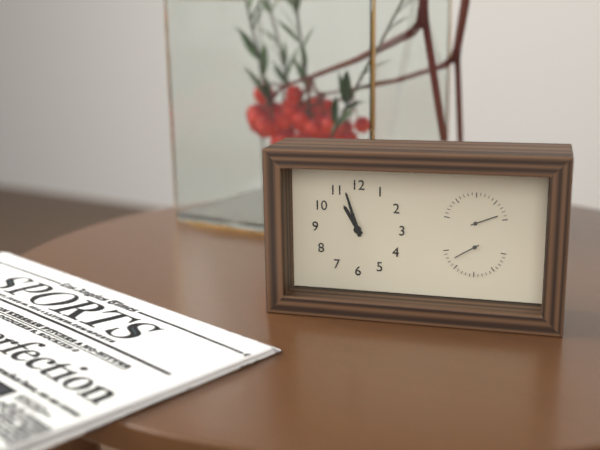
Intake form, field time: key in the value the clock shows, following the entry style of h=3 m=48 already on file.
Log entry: h=10 m=57
